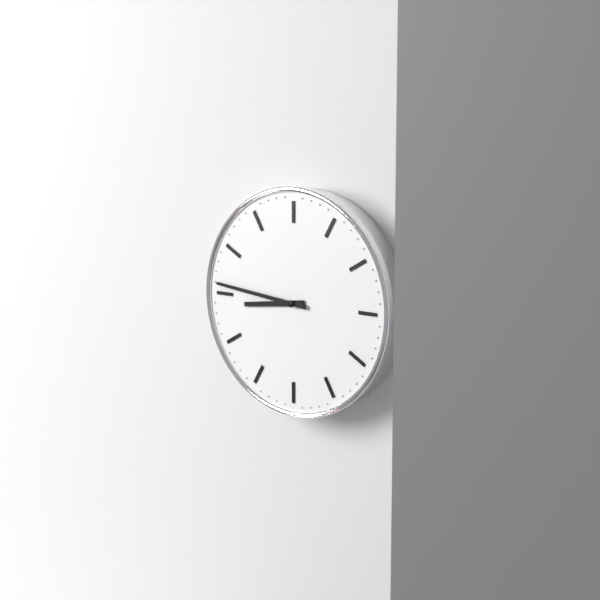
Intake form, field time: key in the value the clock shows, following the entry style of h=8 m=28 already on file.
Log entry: h=8 m=46
